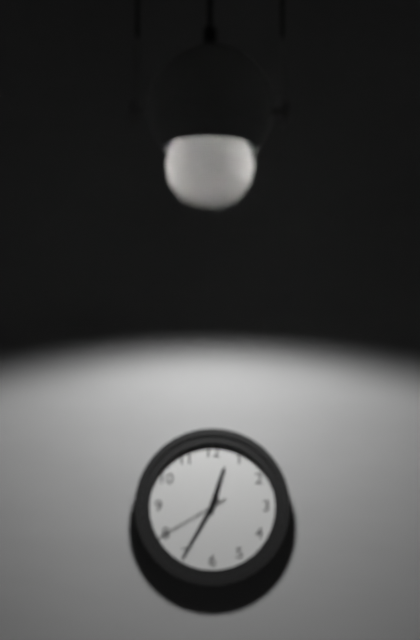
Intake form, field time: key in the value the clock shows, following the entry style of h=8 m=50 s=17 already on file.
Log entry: h=12 m=35 s=40
